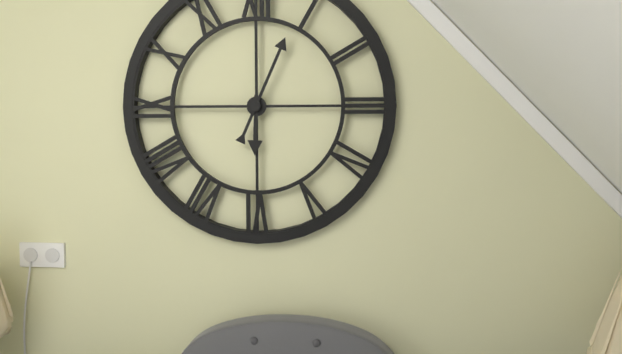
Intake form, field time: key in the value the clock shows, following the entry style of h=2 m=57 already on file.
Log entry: h=6 m=4
